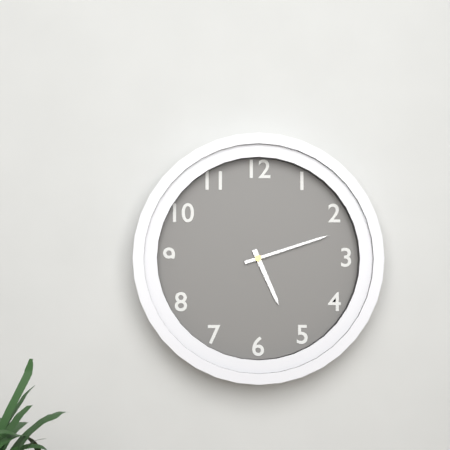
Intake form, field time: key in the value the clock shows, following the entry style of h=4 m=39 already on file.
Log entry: h=5 m=12
